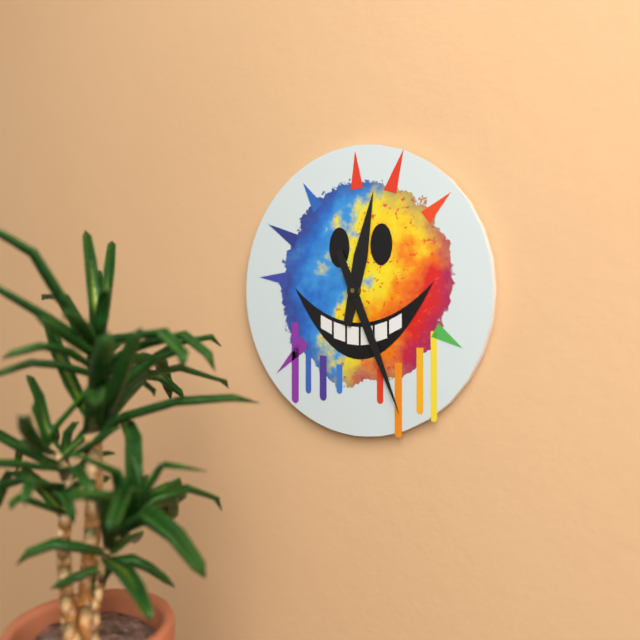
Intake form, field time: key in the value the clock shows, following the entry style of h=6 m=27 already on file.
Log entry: h=12 m=26
